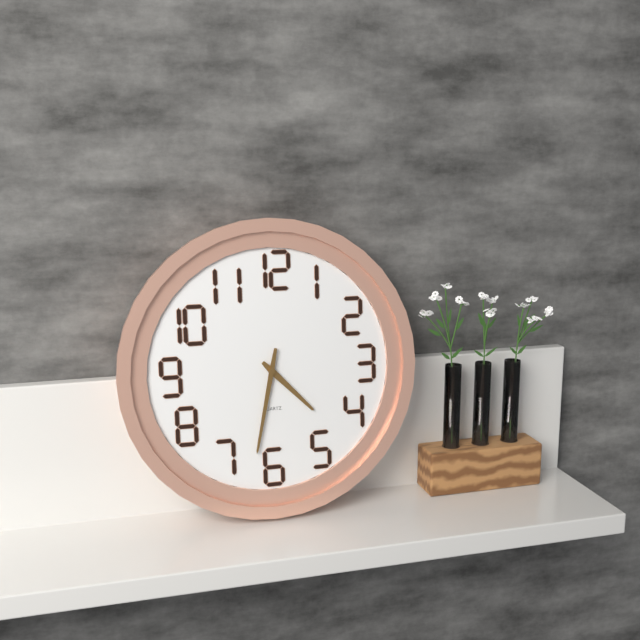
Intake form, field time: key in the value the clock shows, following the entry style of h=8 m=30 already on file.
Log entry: h=4 m=32
